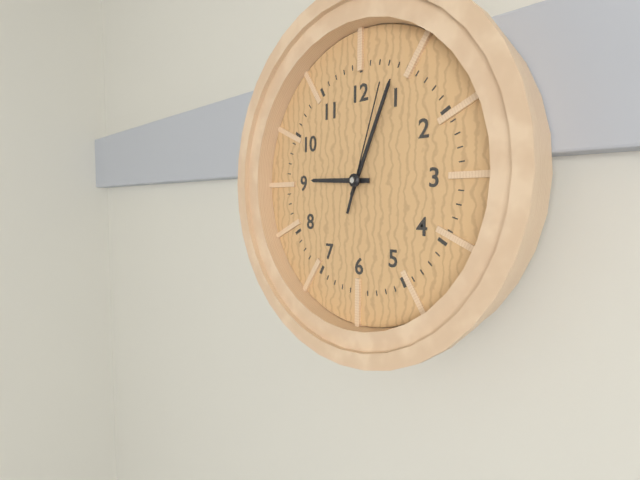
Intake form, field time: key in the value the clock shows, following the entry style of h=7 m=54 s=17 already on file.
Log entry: h=9 m=4 s=3
